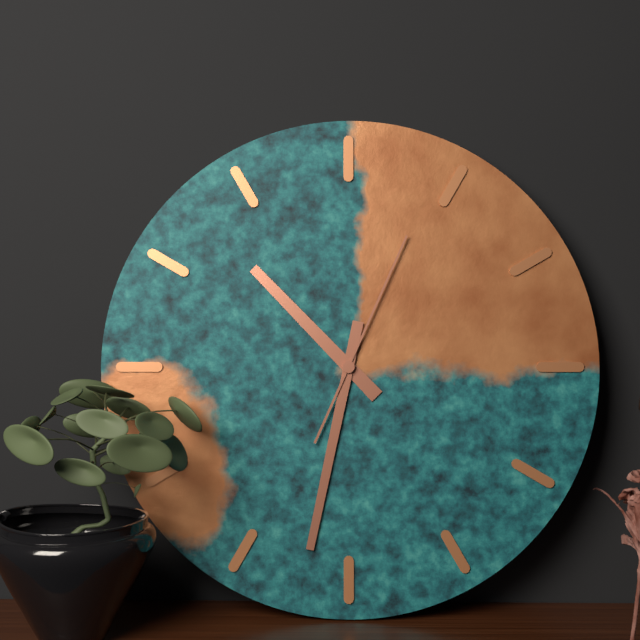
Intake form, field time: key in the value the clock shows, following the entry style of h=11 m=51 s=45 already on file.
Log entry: h=10 m=32 s=4
